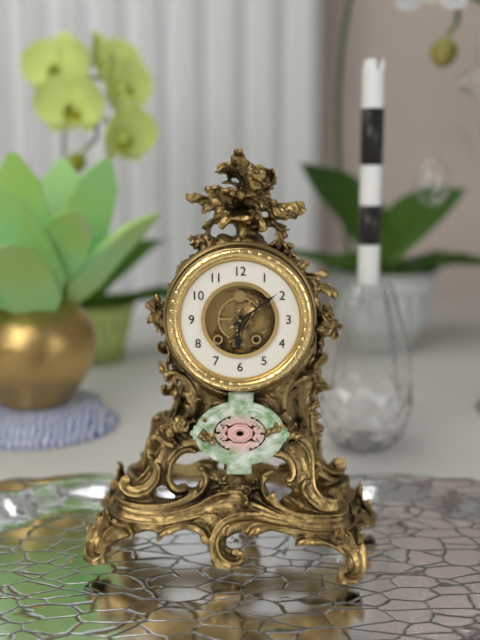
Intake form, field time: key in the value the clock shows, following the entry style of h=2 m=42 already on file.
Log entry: h=6 m=9
